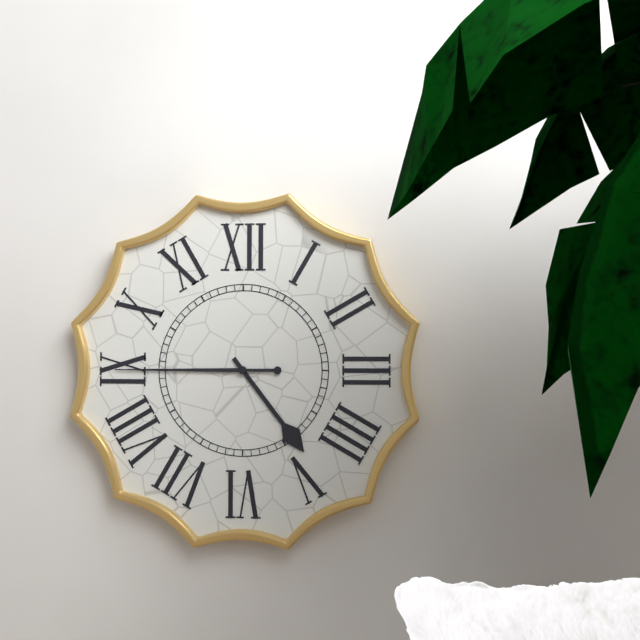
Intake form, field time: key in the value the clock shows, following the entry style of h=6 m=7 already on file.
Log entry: h=4 m=45
